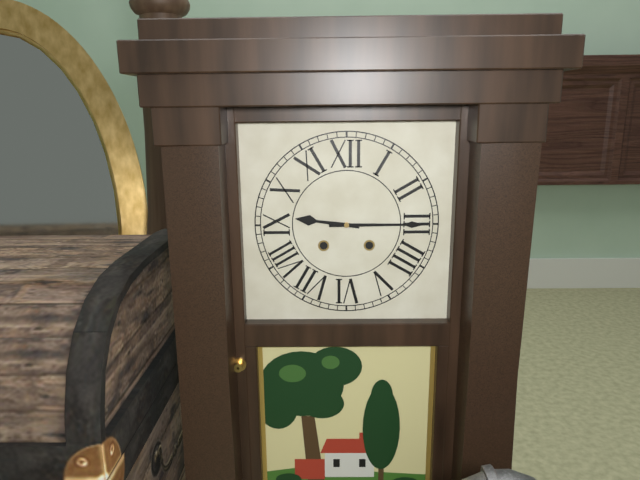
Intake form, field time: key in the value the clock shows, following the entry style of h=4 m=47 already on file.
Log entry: h=9 m=15
